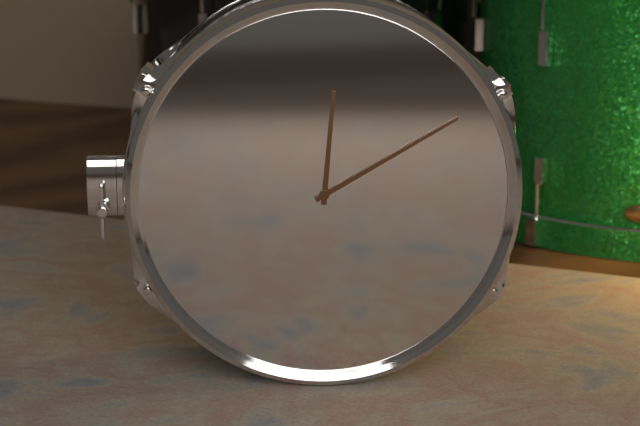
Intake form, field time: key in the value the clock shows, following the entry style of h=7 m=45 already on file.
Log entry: h=12 m=10
